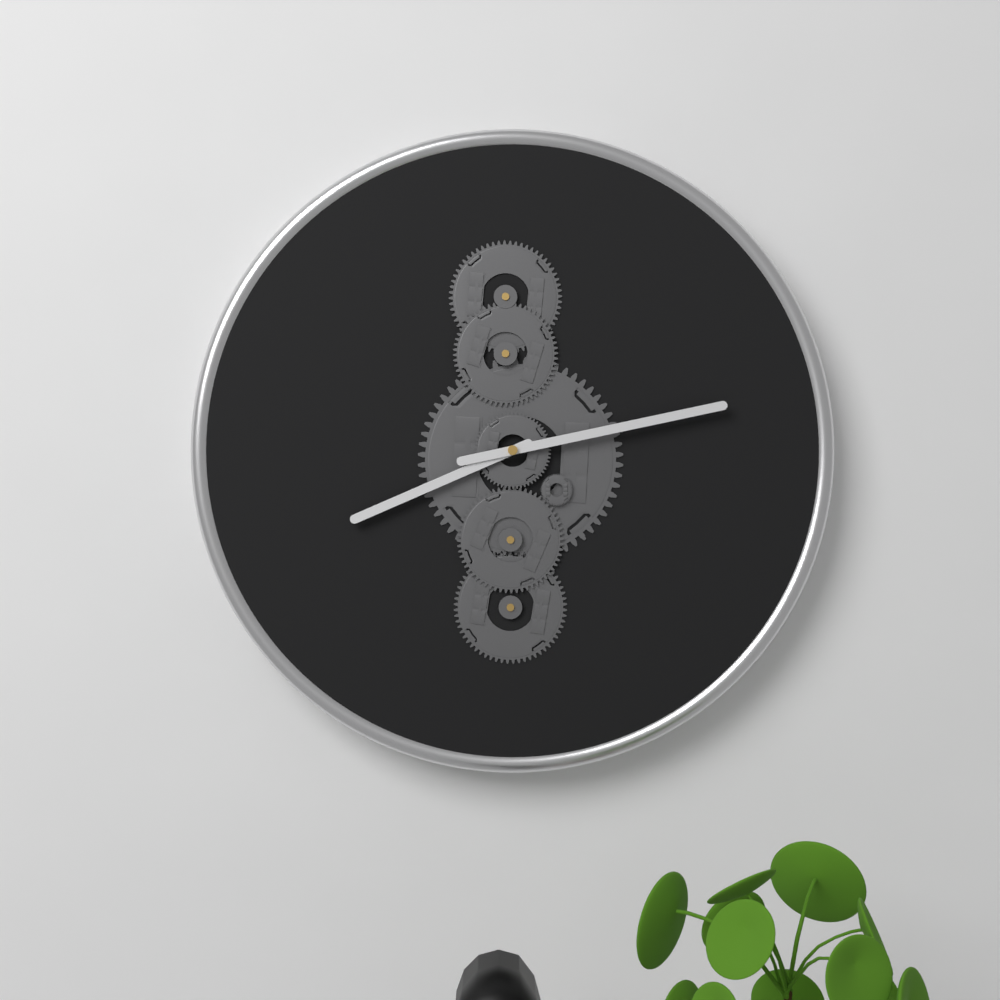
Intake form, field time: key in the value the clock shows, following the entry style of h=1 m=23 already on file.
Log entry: h=8 m=13
